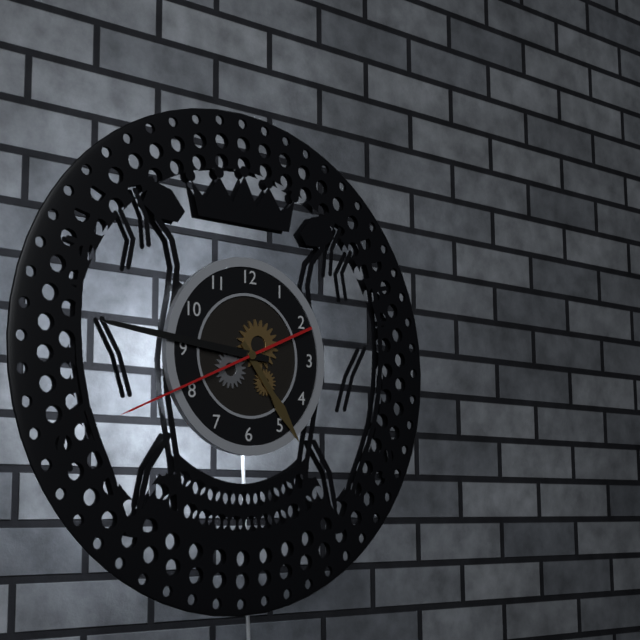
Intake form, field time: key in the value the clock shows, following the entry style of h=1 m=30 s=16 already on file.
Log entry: h=4 m=46 s=41
